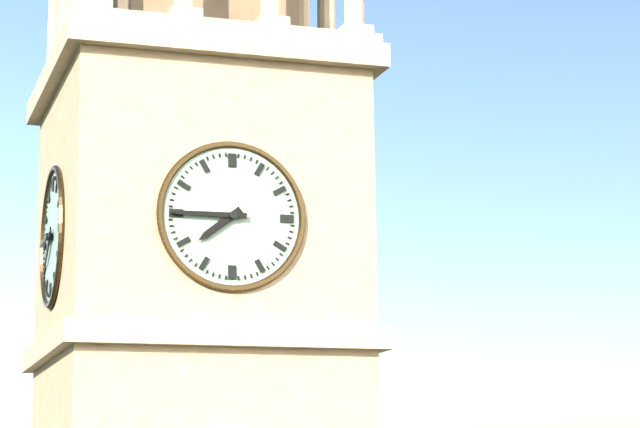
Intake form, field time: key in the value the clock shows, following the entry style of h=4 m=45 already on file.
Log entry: h=7 m=45
